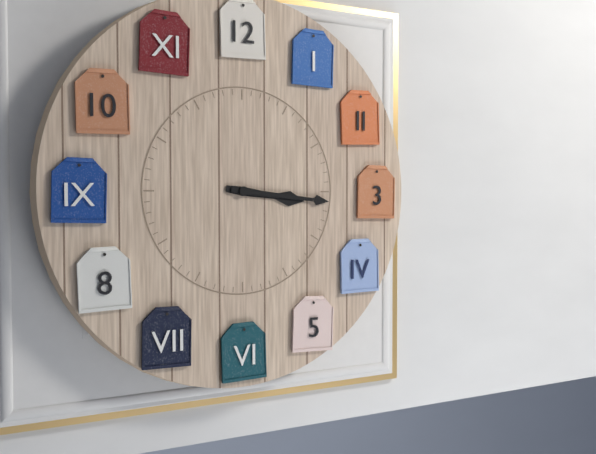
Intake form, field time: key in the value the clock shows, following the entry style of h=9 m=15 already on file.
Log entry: h=3 m=16
